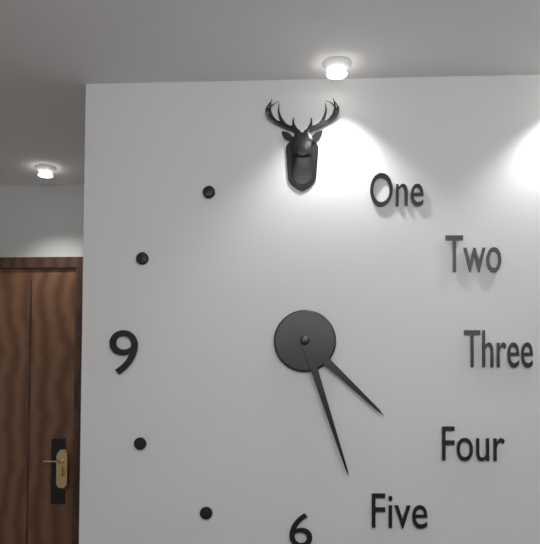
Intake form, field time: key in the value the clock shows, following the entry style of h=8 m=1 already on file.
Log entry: h=4 m=27
